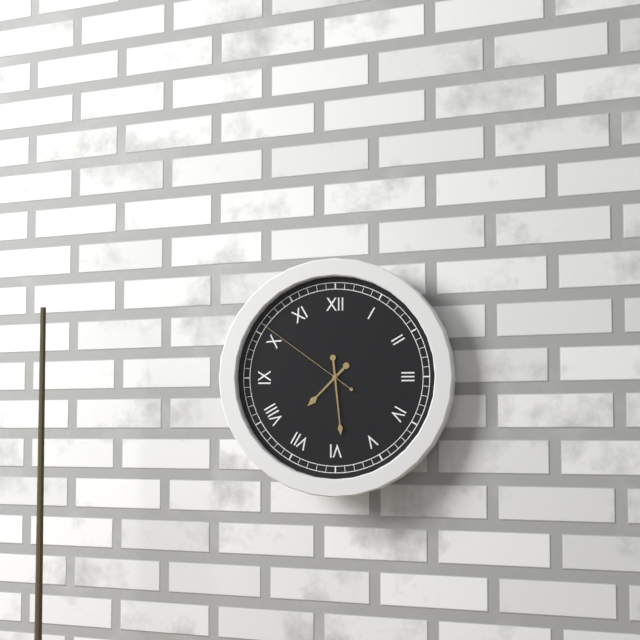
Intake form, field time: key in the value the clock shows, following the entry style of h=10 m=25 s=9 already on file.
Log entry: h=7 m=29 s=51
